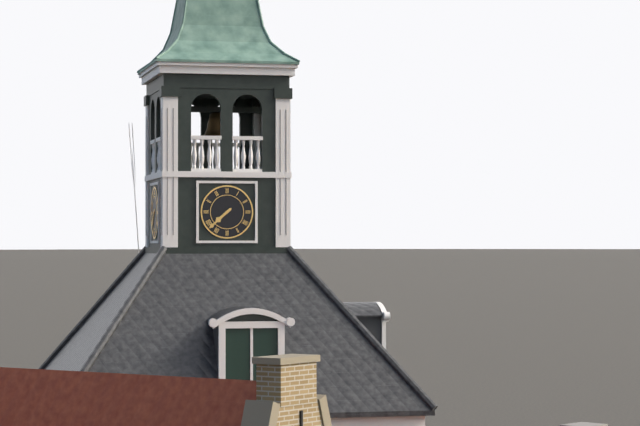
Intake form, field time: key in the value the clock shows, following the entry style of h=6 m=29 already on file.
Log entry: h=7 m=38
